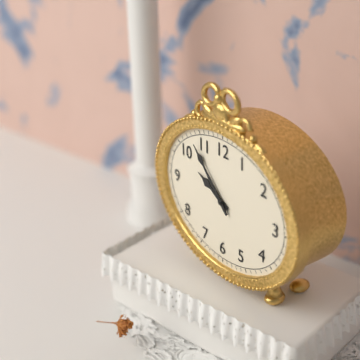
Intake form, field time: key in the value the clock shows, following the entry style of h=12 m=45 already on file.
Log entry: h=9 m=53
